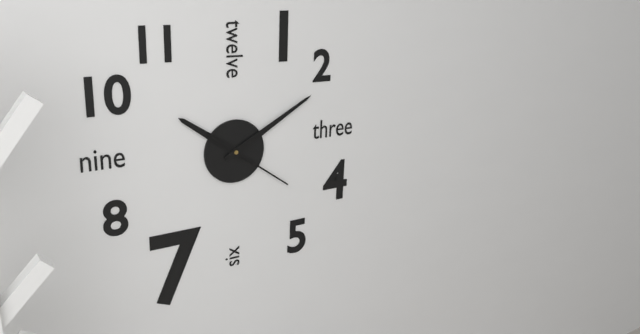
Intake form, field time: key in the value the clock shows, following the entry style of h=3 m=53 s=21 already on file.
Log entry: h=10 m=10 s=21
